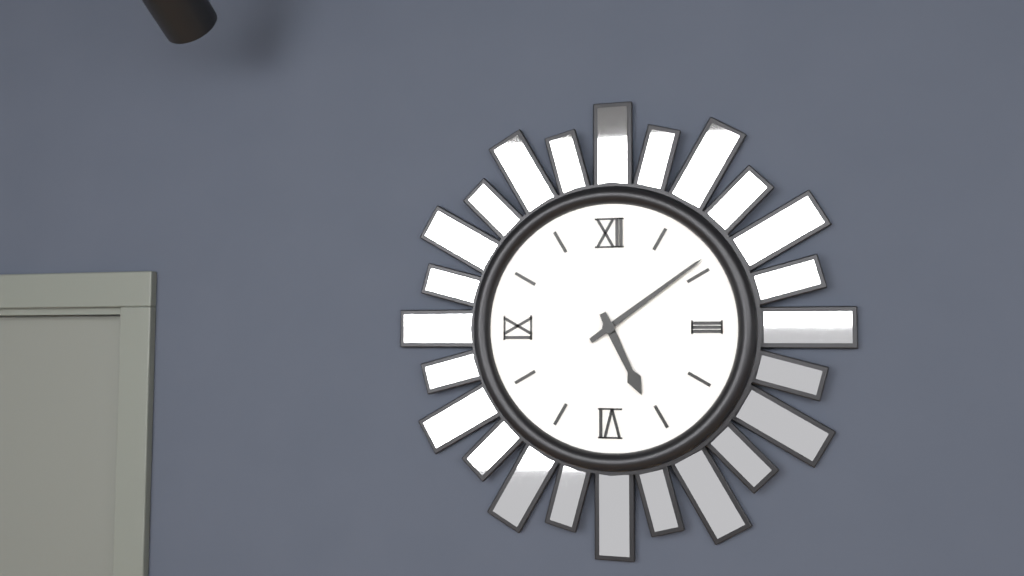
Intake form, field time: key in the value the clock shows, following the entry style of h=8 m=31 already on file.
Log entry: h=5 m=9
